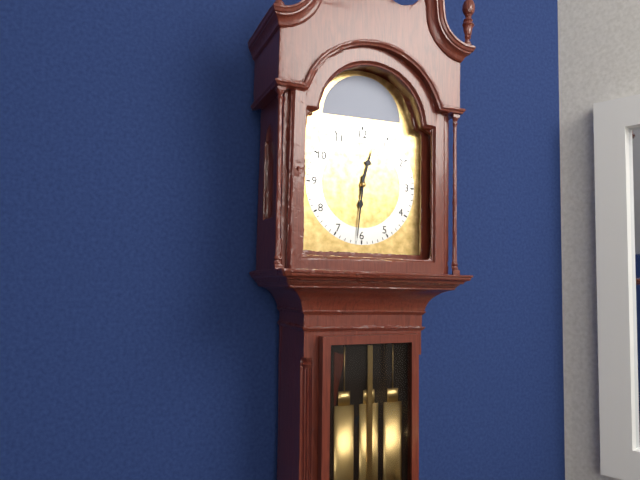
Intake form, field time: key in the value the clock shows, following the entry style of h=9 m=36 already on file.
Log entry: h=12 m=31
